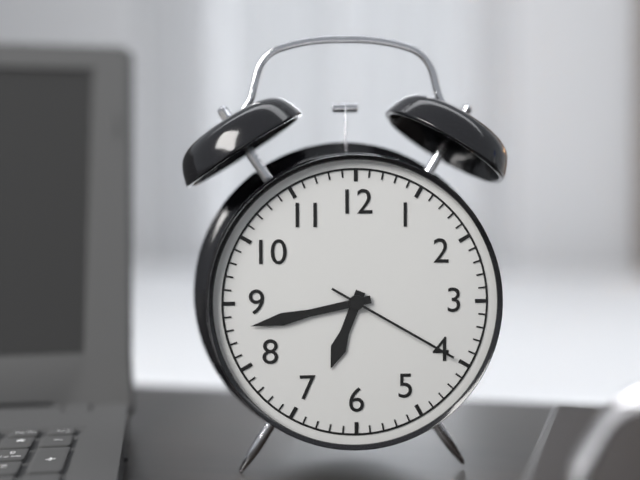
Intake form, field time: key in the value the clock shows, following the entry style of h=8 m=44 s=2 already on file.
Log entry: h=6 m=43 s=20
